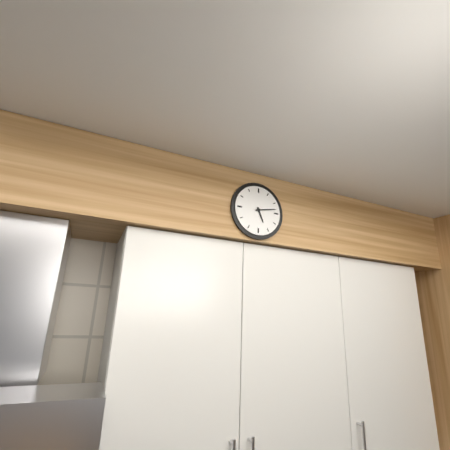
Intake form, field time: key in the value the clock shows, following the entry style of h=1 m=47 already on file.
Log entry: h=5 m=13
